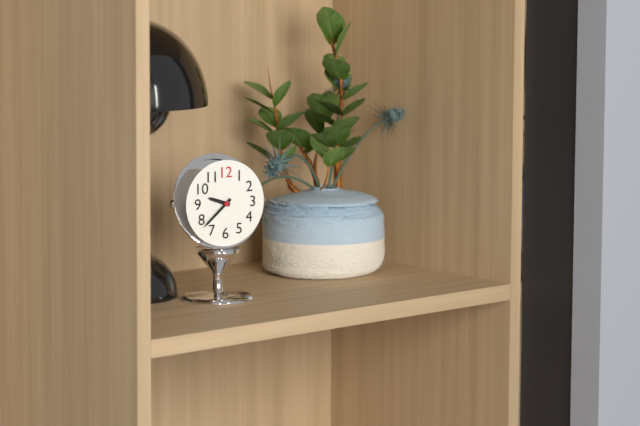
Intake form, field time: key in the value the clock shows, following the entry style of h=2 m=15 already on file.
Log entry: h=9 m=38
